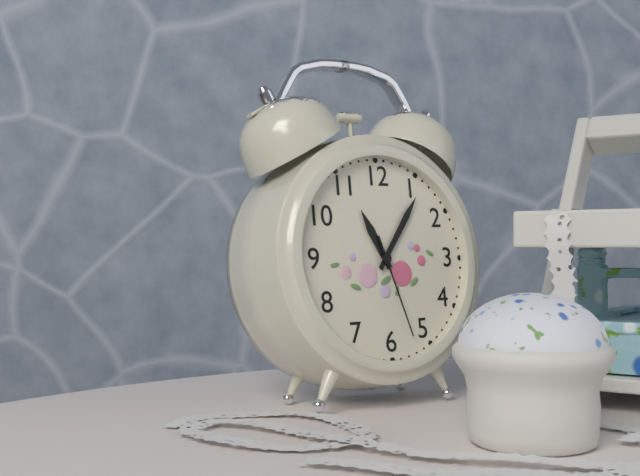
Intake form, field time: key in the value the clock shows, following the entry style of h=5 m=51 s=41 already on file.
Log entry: h=11 m=6 s=27
